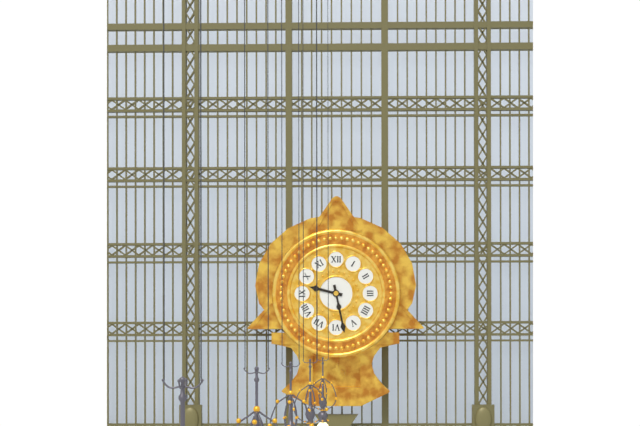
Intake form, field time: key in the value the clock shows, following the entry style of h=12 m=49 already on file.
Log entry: h=9 m=28
